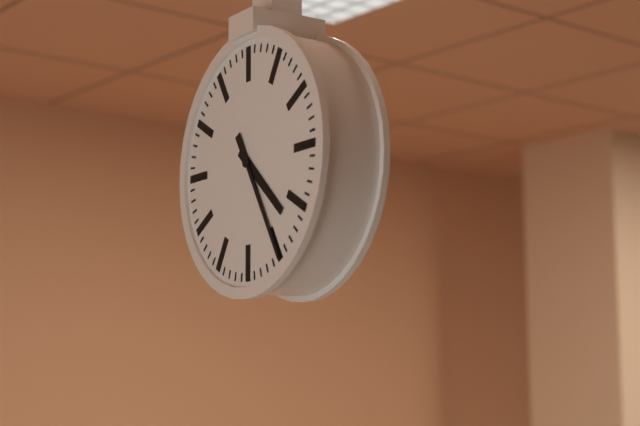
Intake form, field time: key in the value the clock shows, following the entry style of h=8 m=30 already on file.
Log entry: h=4 m=25
